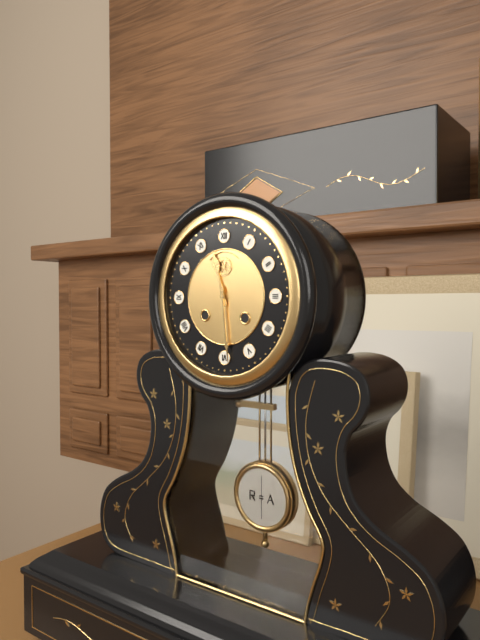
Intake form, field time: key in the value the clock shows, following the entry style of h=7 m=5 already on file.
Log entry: h=11 m=29
